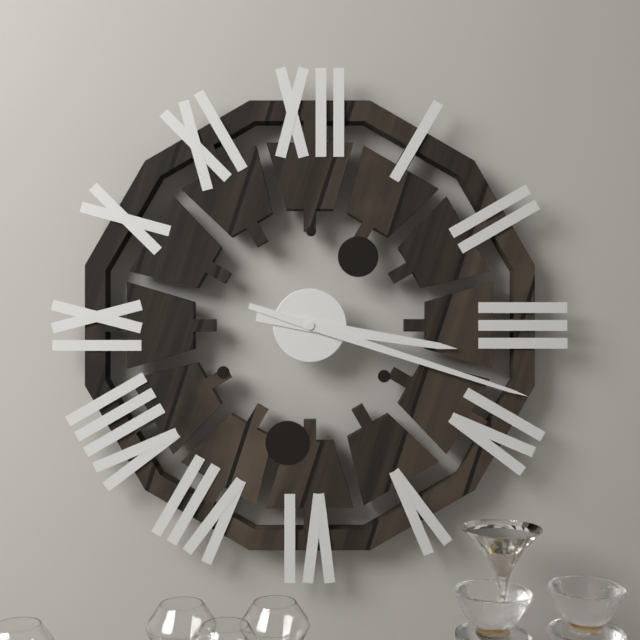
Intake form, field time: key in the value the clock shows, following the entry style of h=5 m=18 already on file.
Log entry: h=3 m=18
